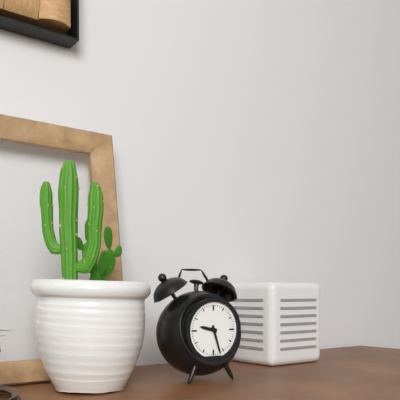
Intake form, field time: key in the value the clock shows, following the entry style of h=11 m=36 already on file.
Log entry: h=9 m=27
